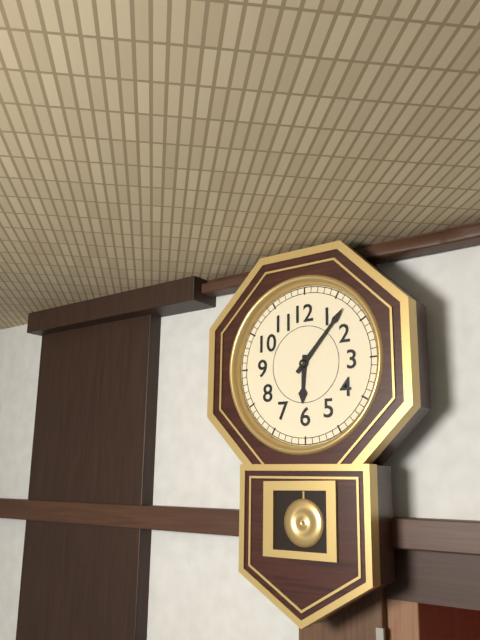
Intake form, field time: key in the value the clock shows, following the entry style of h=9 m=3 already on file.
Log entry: h=6 m=7
